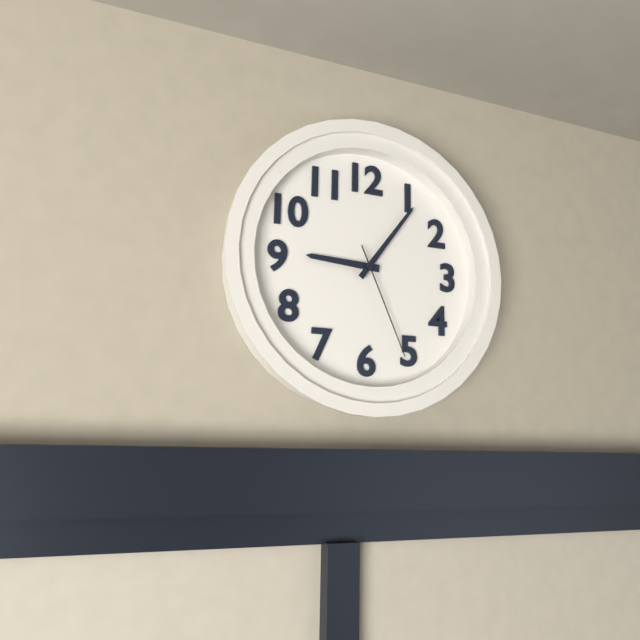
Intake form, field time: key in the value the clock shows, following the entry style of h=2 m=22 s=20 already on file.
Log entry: h=9 m=6 s=26
